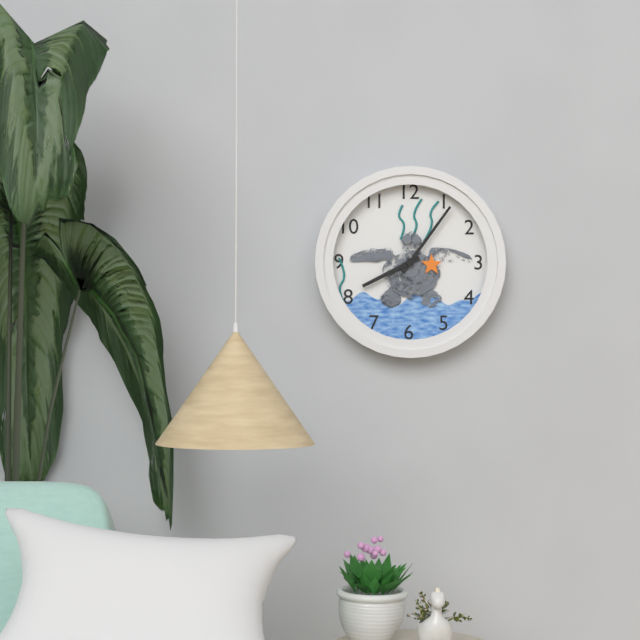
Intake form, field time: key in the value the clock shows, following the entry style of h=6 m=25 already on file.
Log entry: h=8 m=6
